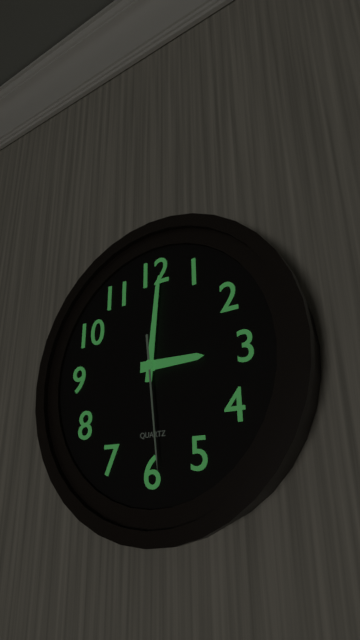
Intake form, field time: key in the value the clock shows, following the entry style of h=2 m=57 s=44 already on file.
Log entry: h=3 m=1 s=29
